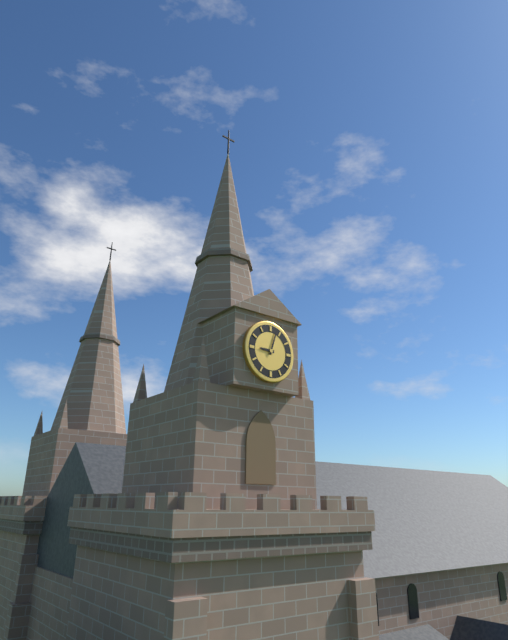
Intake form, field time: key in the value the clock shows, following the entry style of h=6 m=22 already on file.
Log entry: h=9 m=3
